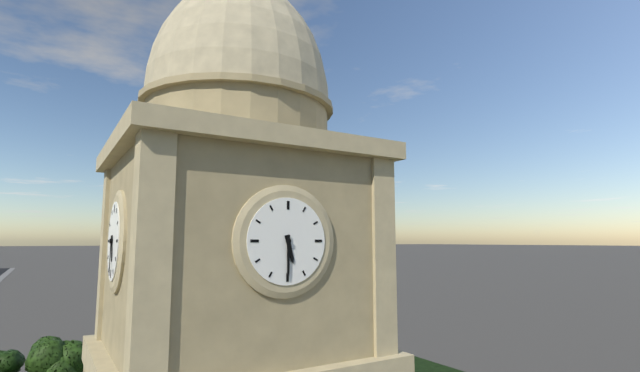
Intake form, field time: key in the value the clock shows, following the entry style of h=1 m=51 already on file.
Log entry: h=5 m=30
